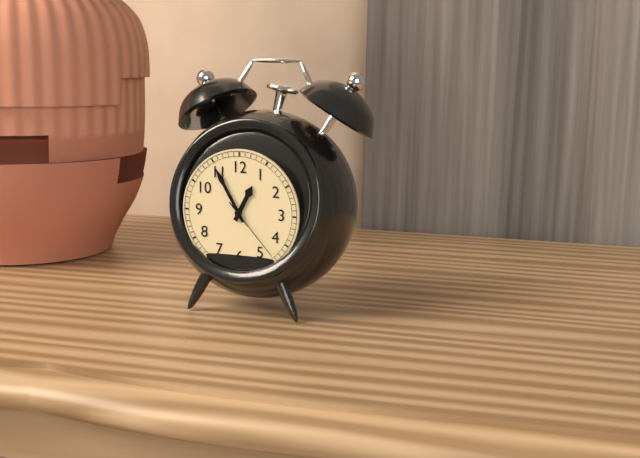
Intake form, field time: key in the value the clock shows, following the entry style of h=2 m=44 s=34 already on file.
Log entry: h=12 m=55 s=23
